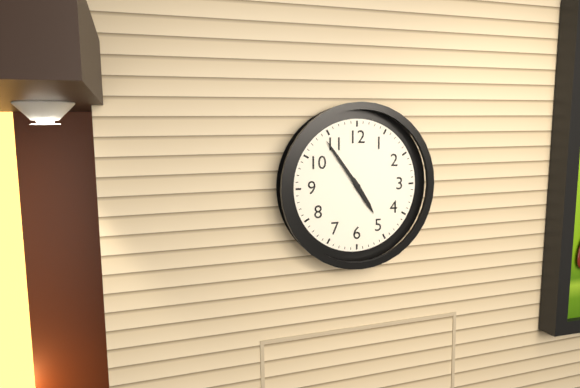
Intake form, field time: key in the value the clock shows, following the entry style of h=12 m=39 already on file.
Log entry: h=4 m=54
